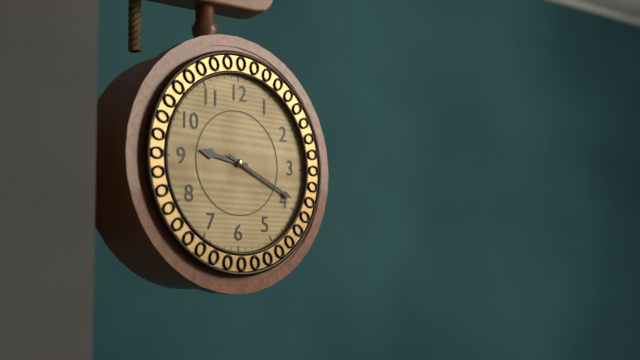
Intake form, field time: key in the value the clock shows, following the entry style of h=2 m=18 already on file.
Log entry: h=9 m=19
